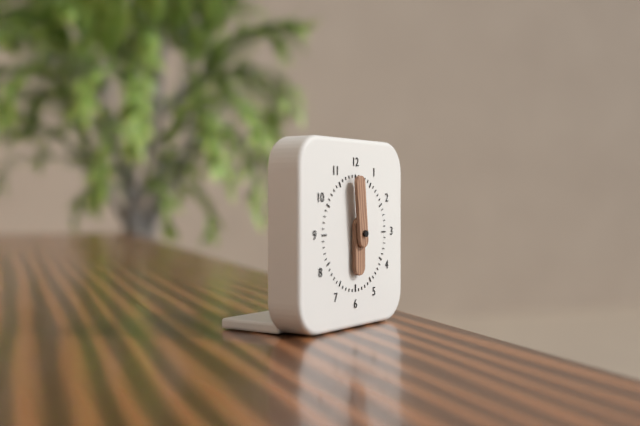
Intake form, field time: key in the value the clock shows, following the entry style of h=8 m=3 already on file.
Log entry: h=5 m=59
